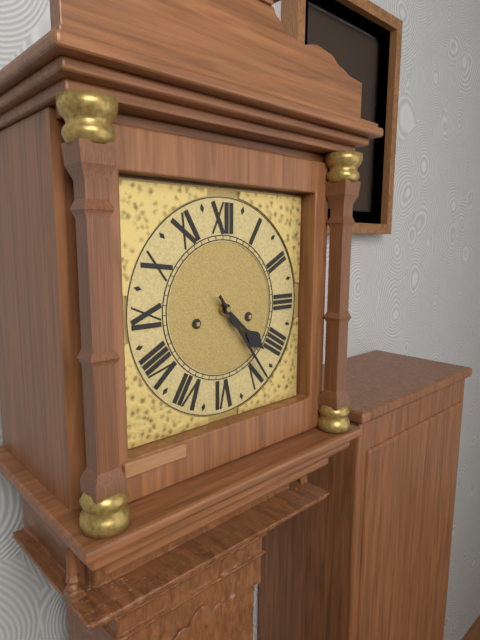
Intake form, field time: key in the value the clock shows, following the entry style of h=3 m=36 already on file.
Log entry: h=4 m=24
